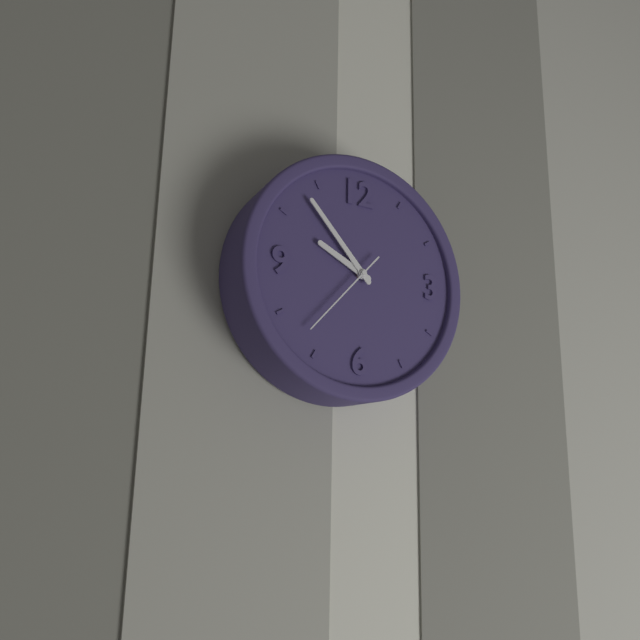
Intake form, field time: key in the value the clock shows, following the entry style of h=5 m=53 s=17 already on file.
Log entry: h=9 m=53 s=37
